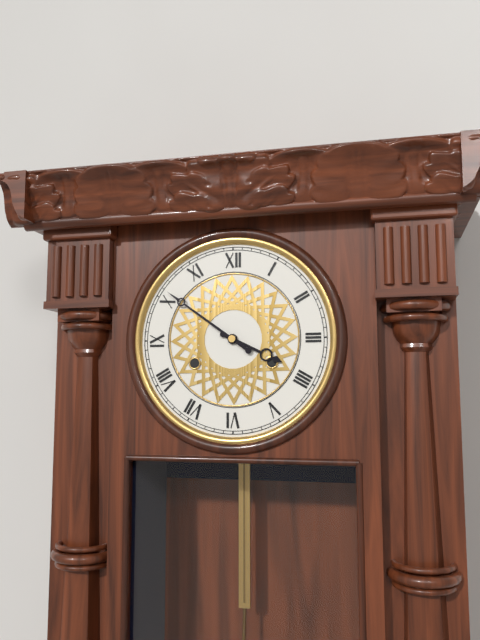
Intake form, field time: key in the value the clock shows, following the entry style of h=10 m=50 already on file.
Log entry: h=3 m=51
